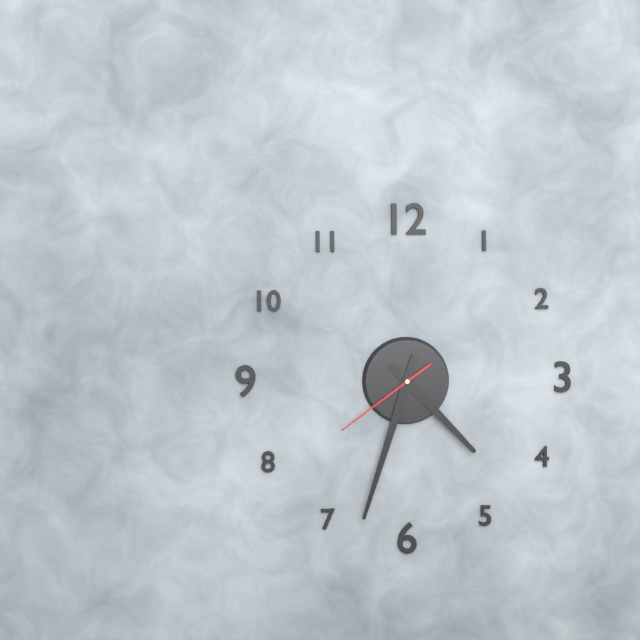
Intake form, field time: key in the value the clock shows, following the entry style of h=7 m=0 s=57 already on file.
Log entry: h=4 m=33 s=39
